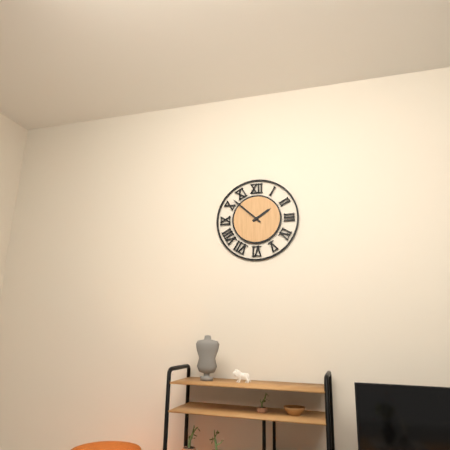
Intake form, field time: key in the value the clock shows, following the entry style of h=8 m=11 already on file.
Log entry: h=1 m=52
